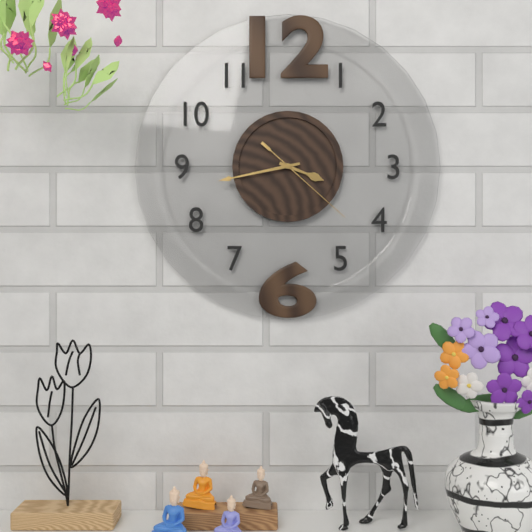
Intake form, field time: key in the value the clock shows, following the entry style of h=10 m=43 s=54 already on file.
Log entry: h=3 m=43 s=22
